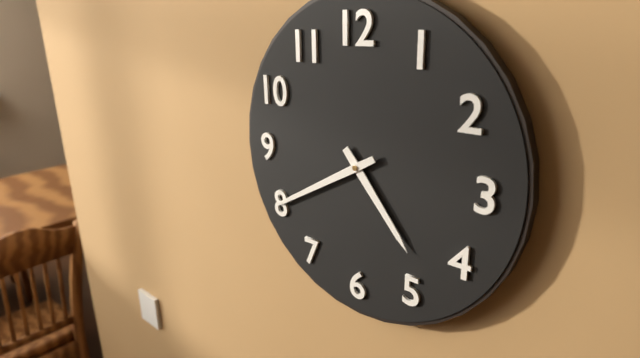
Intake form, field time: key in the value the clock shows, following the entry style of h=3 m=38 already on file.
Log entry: h=4 m=40
